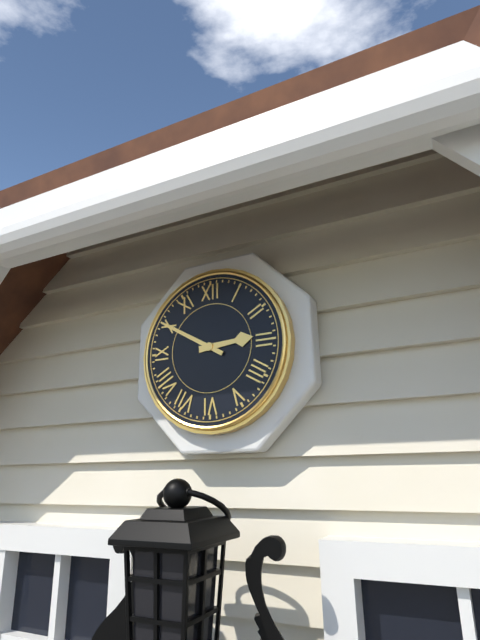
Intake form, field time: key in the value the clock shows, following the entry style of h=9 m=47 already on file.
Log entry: h=2 m=50
